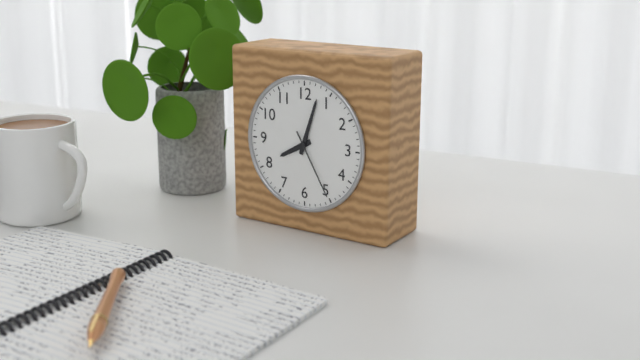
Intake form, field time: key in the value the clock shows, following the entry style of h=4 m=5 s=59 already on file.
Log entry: h=8 m=3 s=25
